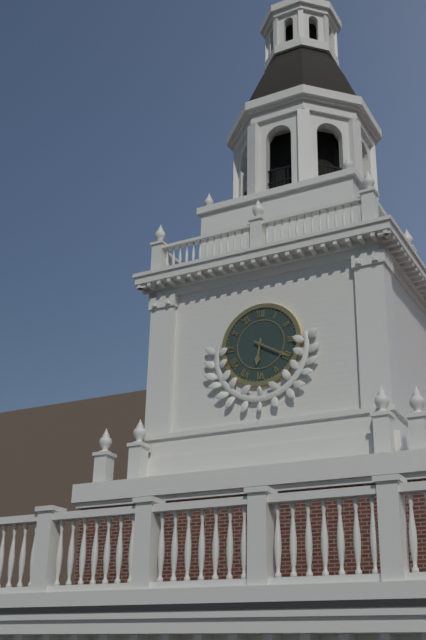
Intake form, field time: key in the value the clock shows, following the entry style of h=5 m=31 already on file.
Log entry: h=6 m=20
